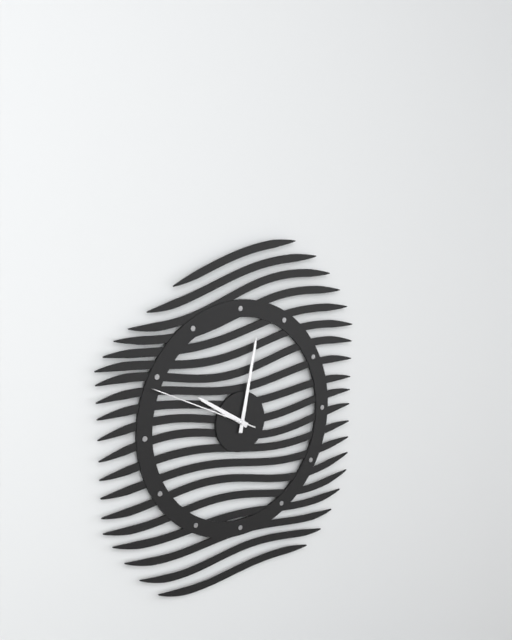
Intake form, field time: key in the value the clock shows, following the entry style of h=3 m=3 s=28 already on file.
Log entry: h=10 m=2 s=49
